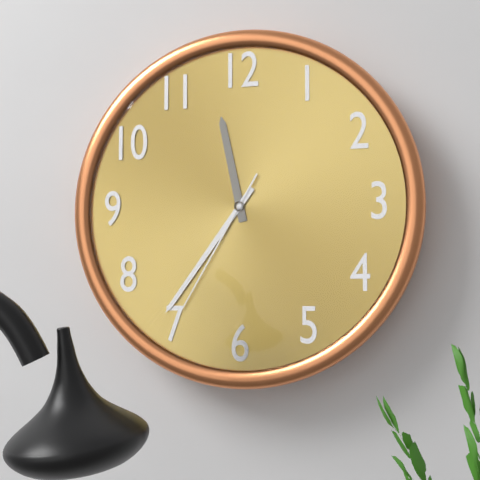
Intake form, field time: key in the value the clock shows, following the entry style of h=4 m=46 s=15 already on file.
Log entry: h=11 m=36 s=35
